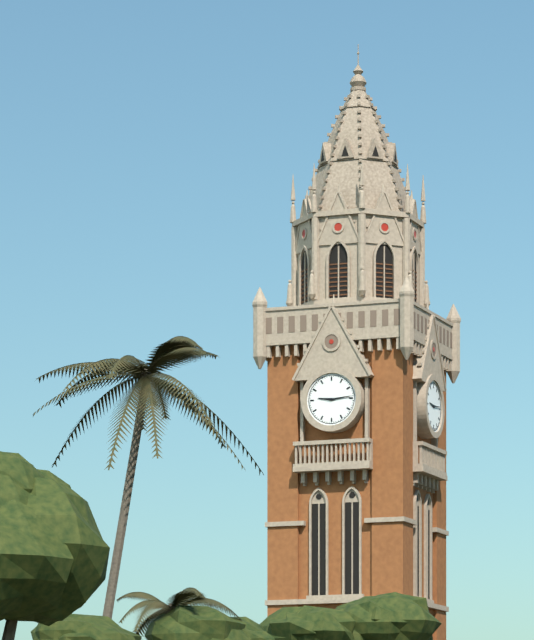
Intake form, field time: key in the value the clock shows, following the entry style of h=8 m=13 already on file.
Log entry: h=9 m=14
